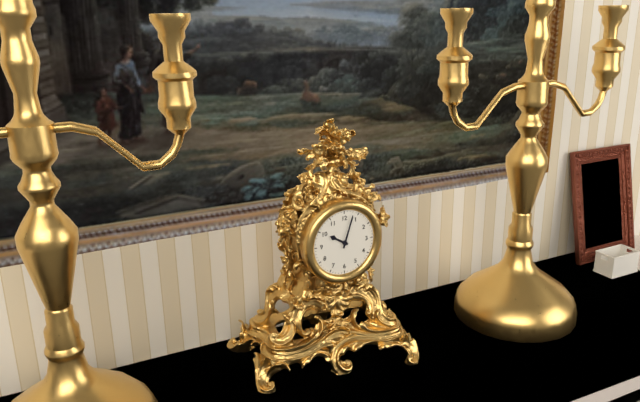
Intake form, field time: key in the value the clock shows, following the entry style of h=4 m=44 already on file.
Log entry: h=10 m=3
